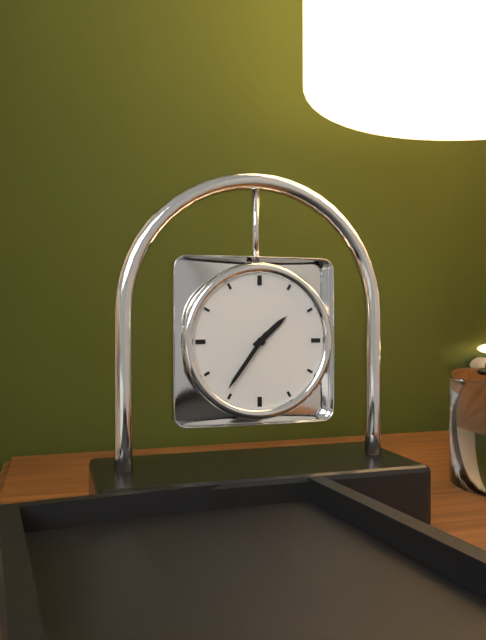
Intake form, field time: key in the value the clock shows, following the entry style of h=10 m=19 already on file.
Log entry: h=1 m=36
